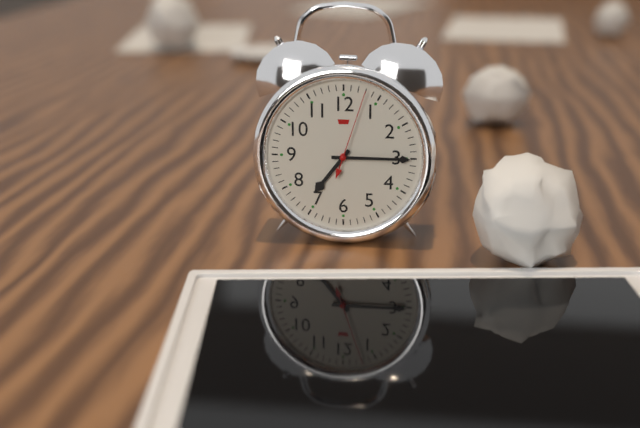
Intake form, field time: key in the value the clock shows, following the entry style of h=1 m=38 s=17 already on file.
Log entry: h=7 m=15 s=3
